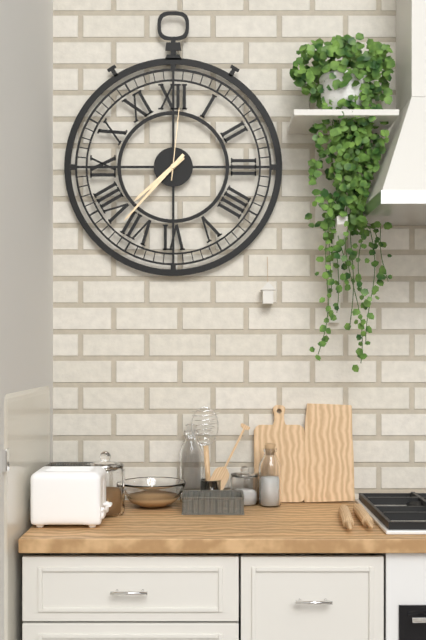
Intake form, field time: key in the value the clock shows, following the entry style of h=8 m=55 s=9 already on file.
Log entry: h=7 m=37 s=1
